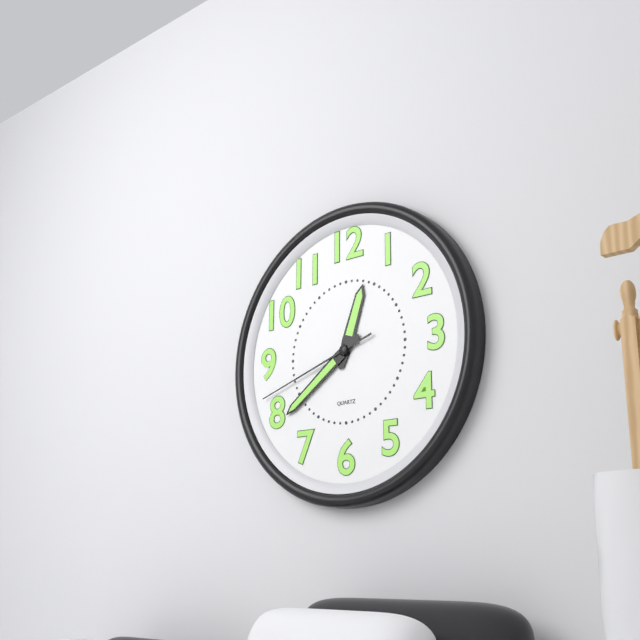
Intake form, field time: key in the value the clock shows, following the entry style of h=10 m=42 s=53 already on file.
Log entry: h=12 m=39 s=42
